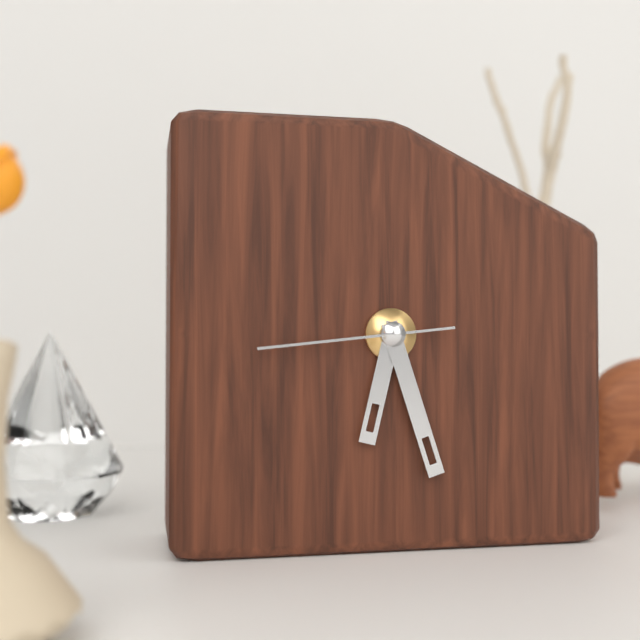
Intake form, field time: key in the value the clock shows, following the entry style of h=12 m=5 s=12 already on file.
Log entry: h=6 m=27 s=44
